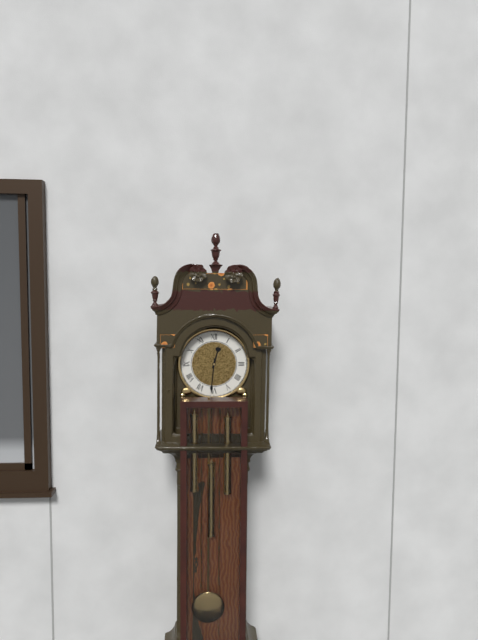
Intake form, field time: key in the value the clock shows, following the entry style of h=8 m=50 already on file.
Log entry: h=12 m=31
